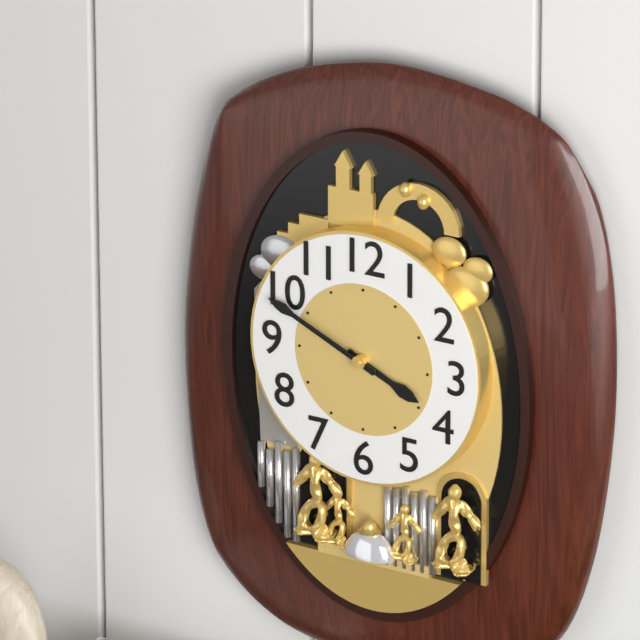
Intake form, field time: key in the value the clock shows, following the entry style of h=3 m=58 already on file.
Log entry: h=3 m=49
